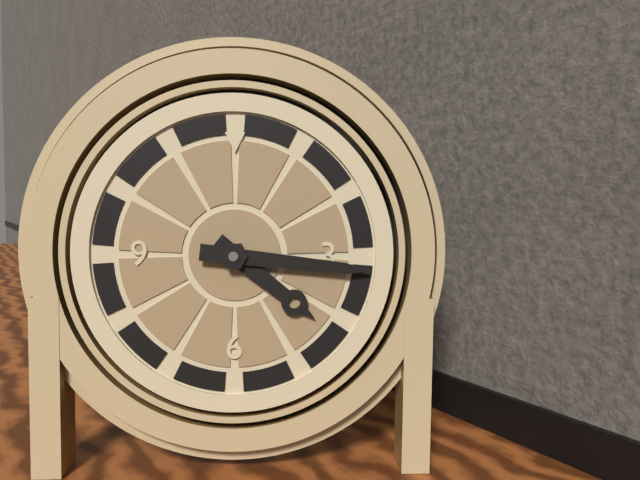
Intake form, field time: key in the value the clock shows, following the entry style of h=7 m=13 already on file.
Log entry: h=4 m=16
